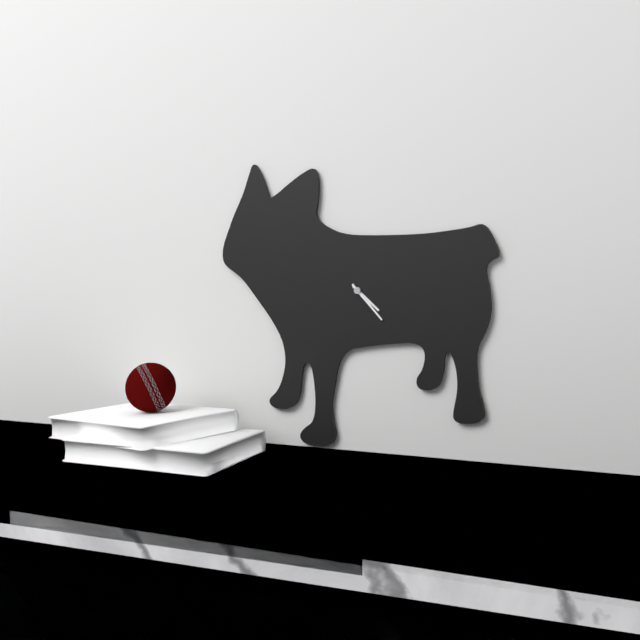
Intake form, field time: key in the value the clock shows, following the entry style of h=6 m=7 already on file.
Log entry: h=4 m=23
